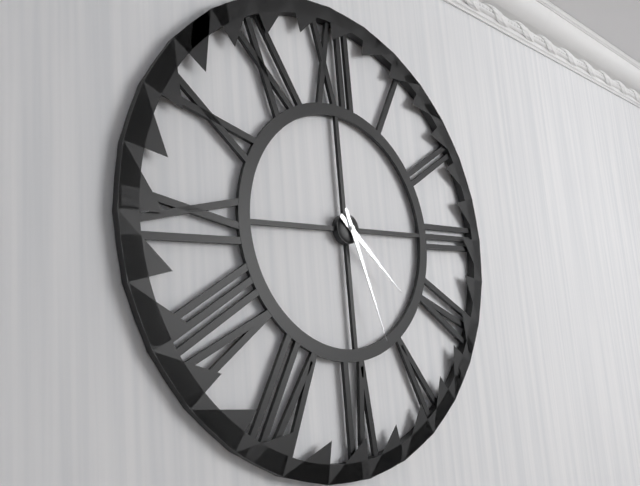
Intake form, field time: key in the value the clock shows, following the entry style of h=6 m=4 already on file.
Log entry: h=4 m=27
